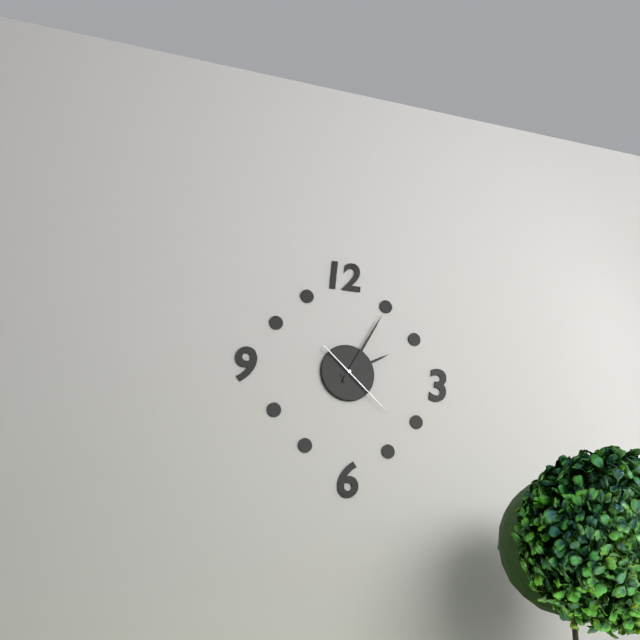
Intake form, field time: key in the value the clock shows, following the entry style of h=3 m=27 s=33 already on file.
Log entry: h=2 m=5 s=22
